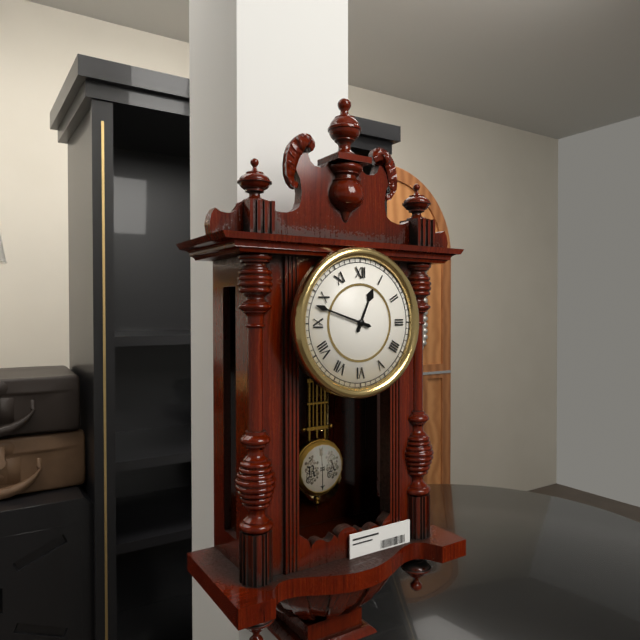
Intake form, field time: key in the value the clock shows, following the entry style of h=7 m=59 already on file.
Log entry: h=12 m=48
